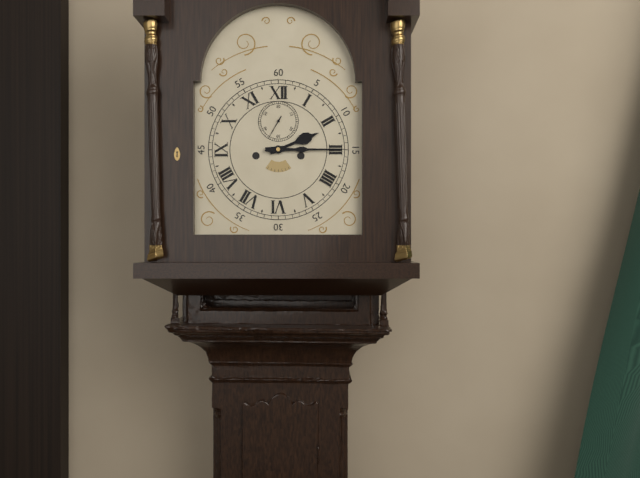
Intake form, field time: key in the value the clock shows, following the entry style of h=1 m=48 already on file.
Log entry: h=2 m=15
